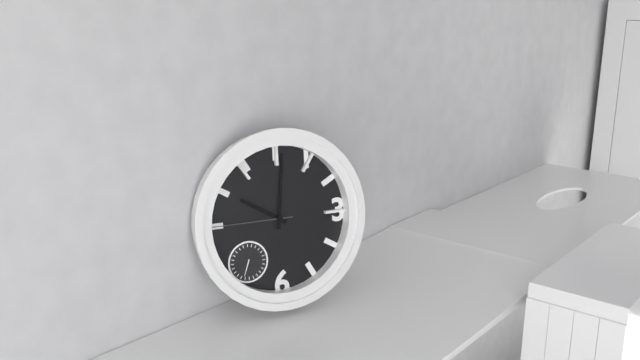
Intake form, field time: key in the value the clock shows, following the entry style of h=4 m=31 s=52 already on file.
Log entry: h=10 m=1 s=45
